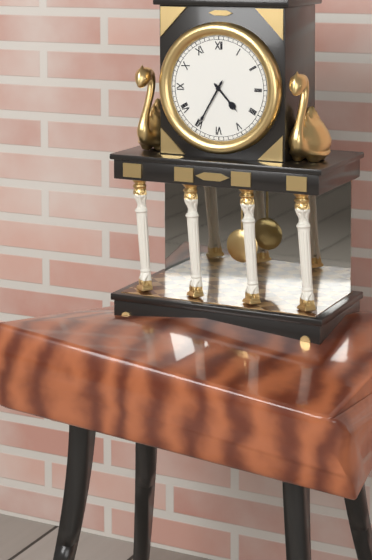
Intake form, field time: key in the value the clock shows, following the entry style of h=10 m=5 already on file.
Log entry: h=4 m=35
